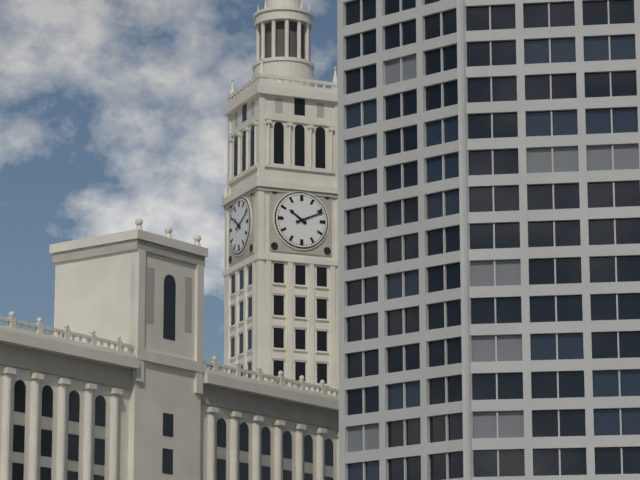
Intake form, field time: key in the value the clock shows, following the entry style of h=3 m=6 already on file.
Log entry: h=10 m=11
